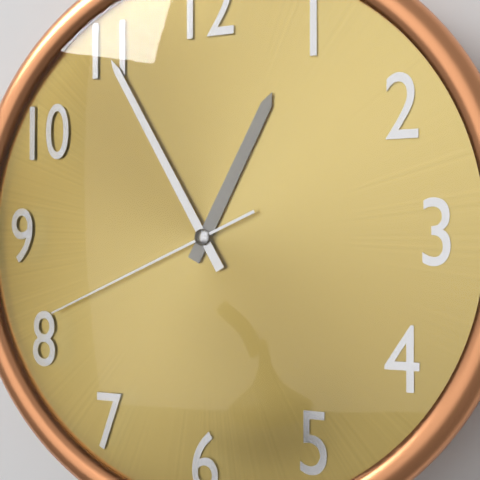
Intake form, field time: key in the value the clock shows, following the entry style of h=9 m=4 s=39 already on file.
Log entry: h=12 m=55 s=41
